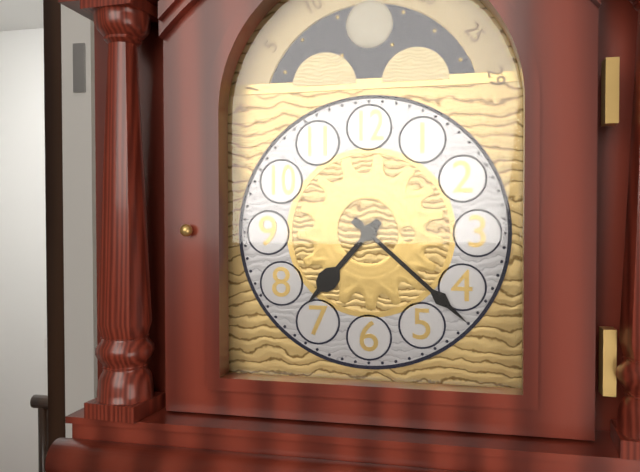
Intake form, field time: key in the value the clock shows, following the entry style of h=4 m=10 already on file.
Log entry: h=7 m=22
